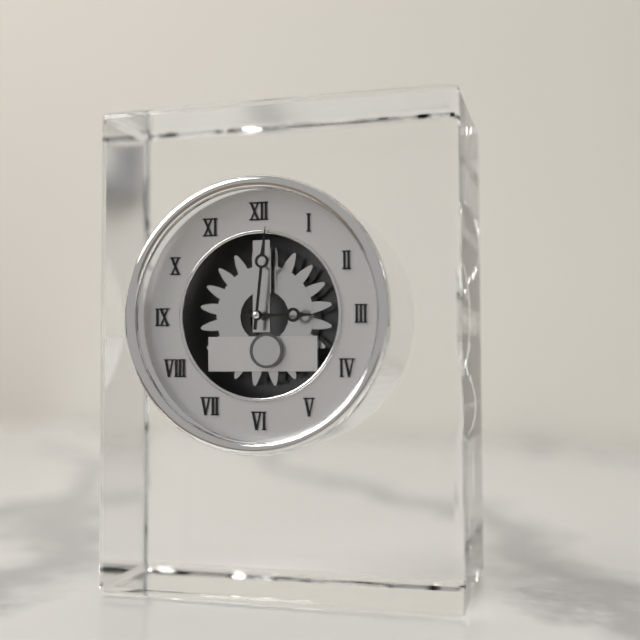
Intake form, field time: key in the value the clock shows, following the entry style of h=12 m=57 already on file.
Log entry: h=3 m=1
